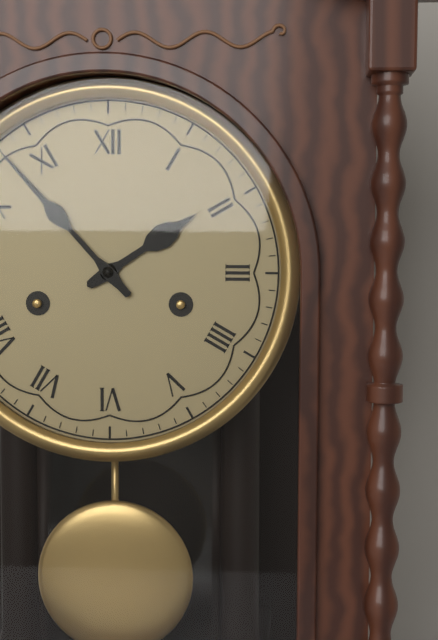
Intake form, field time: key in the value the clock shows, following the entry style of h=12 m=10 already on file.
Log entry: h=1 m=53
